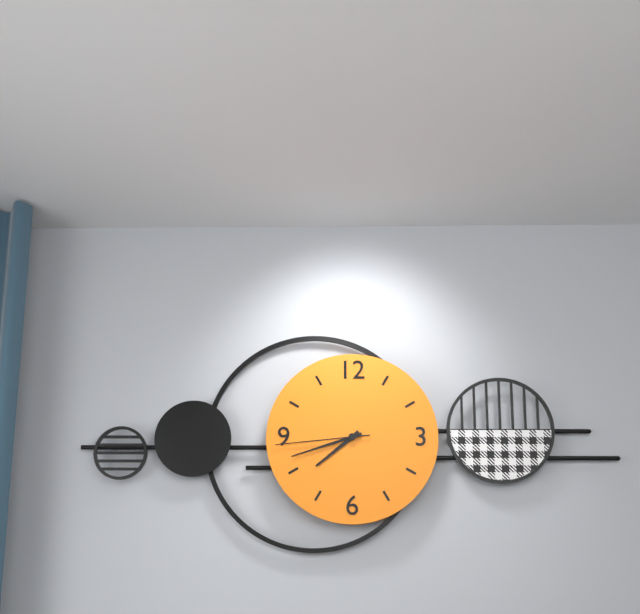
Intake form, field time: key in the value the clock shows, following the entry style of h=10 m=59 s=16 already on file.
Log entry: h=7 m=42 s=44
